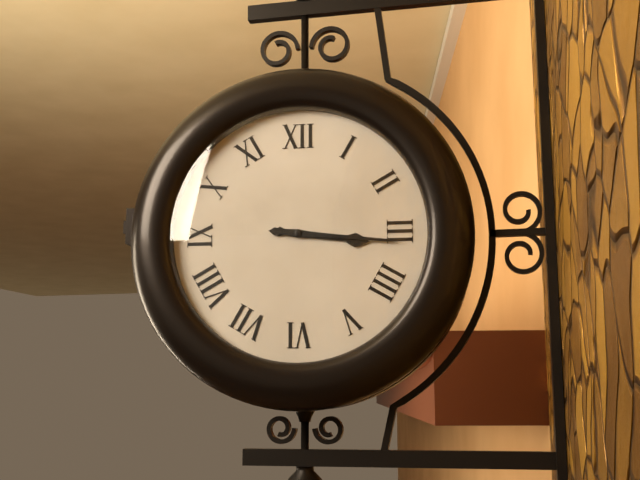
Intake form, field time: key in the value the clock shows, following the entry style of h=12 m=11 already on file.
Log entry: h=3 m=16
